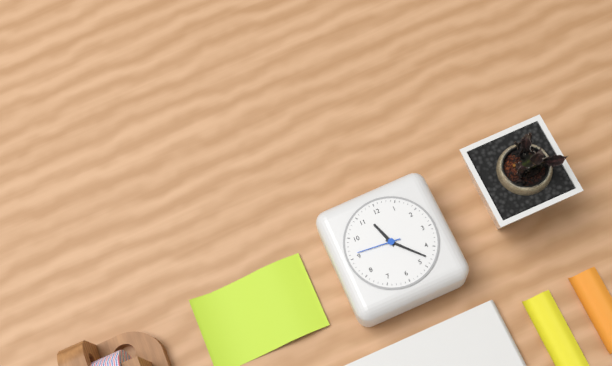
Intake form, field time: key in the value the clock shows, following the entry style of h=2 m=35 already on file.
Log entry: h=11 m=23
